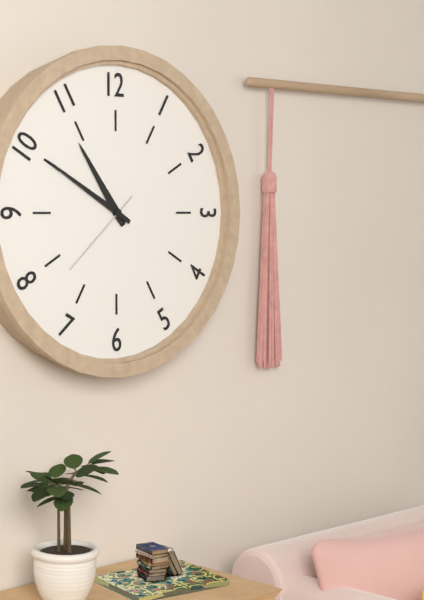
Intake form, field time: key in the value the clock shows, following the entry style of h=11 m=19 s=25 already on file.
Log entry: h=10 m=50 s=38
